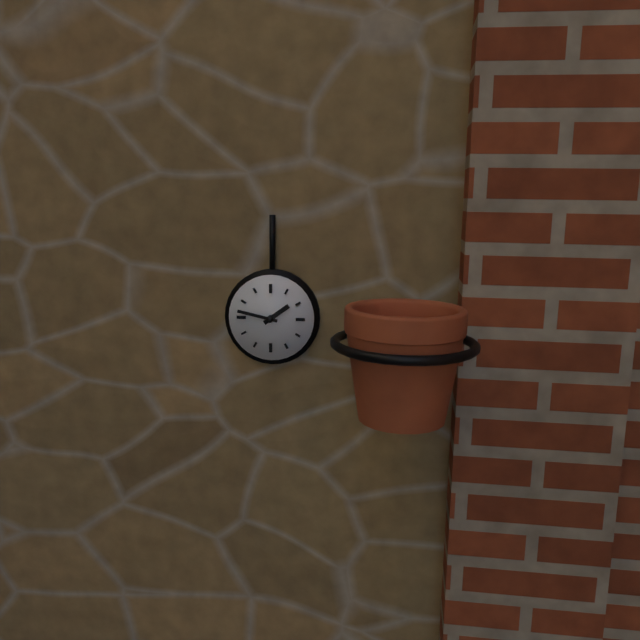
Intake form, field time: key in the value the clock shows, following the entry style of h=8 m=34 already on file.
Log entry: h=1 m=47
